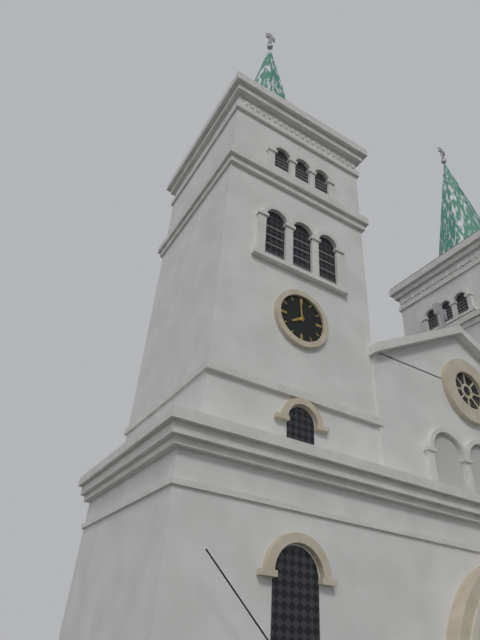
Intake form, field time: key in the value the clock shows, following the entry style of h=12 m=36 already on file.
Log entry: h=7 m=59
